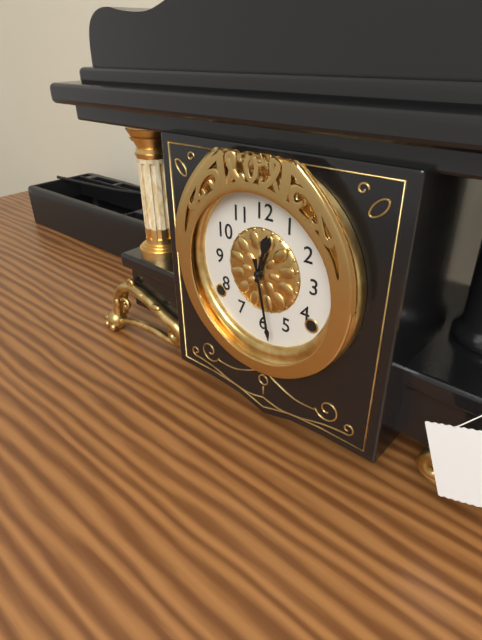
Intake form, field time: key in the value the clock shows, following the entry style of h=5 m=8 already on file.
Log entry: h=12 m=28
